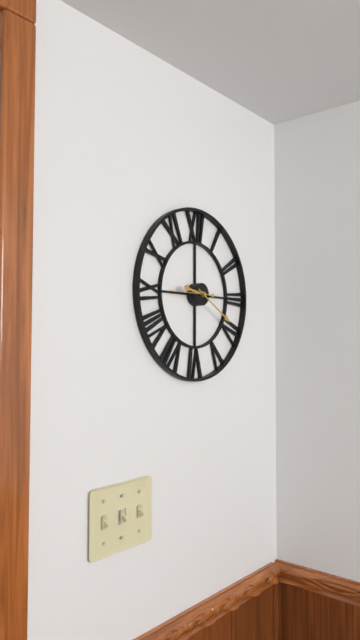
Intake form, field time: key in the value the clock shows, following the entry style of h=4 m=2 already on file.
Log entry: h=9 m=20
